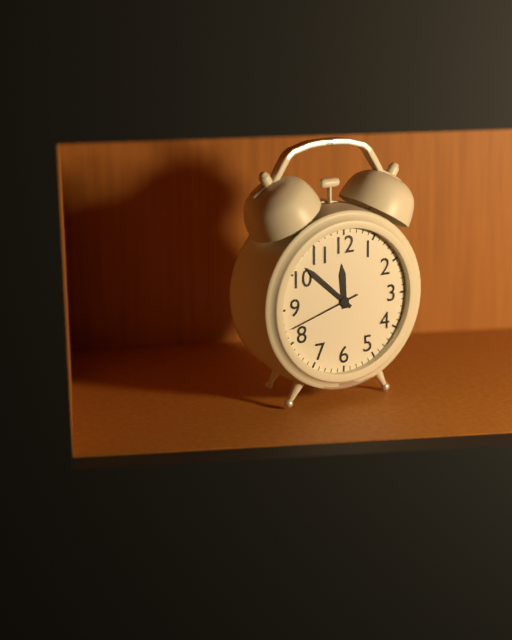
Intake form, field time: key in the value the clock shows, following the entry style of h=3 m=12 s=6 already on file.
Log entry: h=11 m=52 s=42
